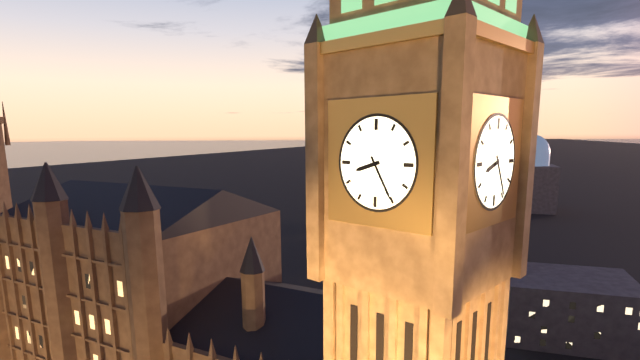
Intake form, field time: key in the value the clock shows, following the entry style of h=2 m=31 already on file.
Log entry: h=8 m=25
